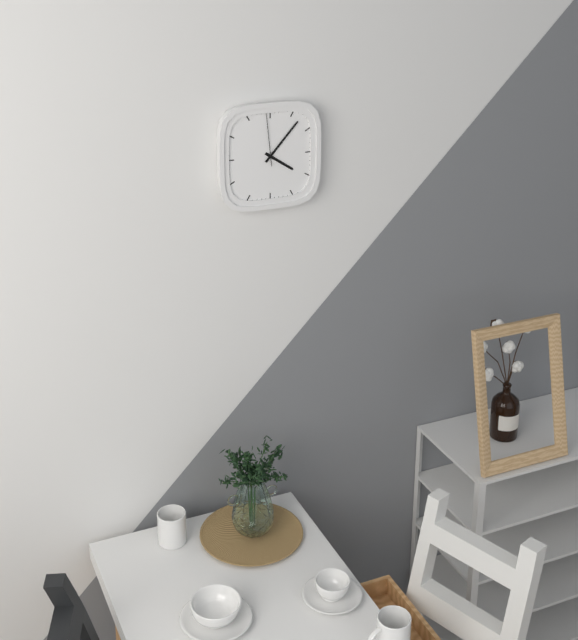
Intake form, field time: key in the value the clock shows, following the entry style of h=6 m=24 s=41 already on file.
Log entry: h=4 m=7 s=59
